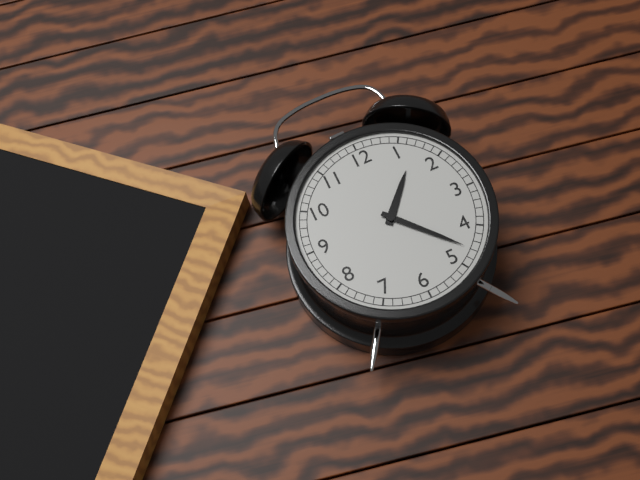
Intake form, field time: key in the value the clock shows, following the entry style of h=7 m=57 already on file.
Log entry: h=1 m=23
